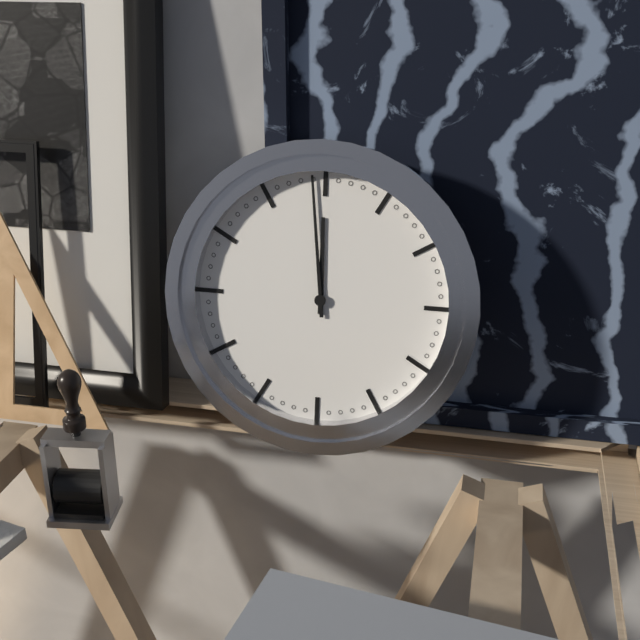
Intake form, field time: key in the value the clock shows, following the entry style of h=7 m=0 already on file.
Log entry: h=11 m=59
